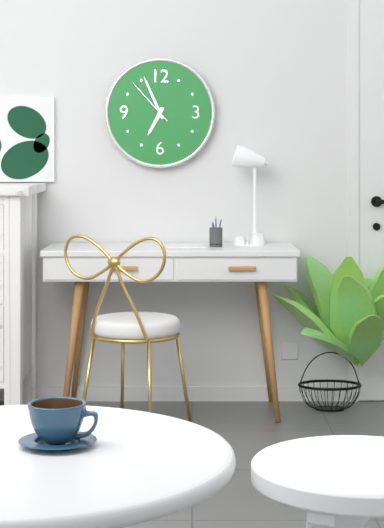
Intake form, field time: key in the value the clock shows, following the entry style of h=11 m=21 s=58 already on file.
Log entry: h=6 m=56 s=53
